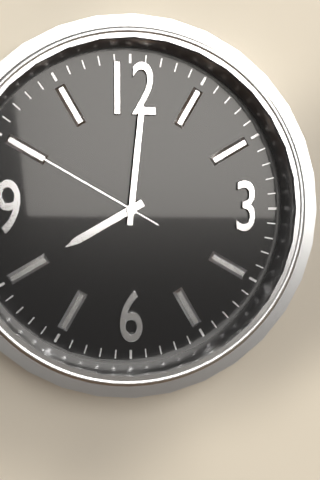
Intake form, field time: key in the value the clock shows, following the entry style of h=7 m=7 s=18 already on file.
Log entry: h=8 m=1 s=50
